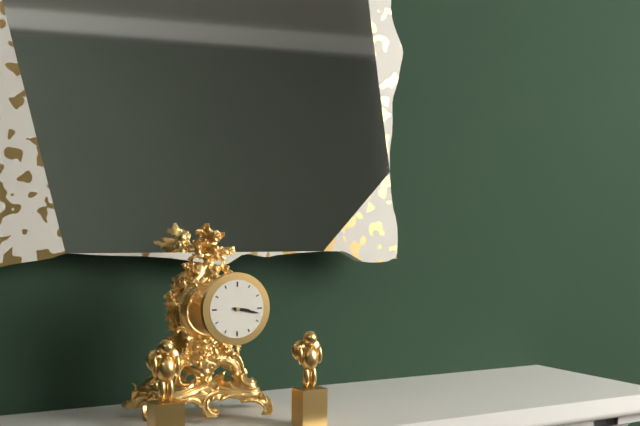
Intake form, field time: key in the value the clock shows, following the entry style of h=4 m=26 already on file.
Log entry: h=3 m=17
